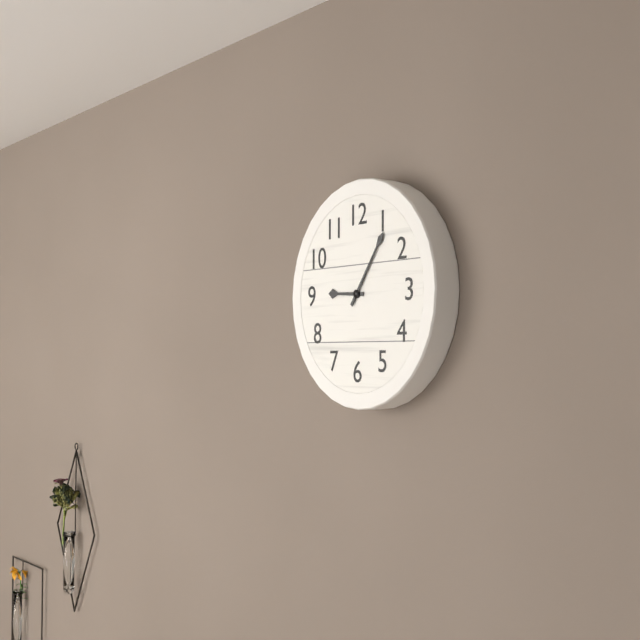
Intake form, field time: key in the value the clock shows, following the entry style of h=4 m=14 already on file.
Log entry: h=9 m=6
